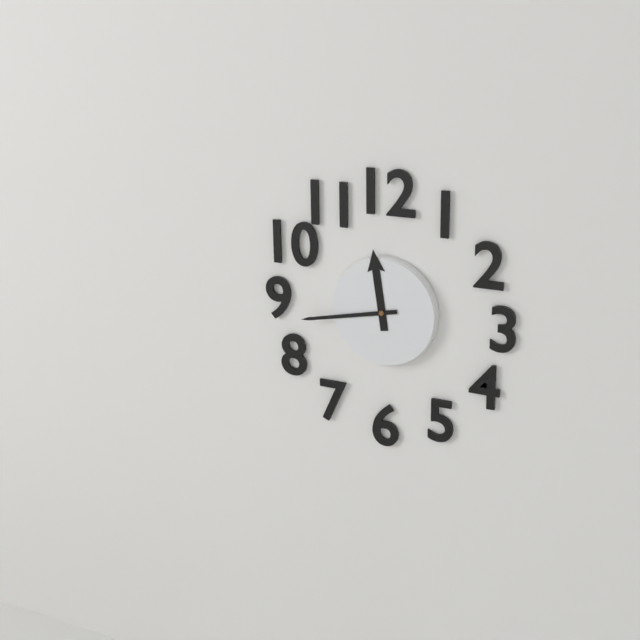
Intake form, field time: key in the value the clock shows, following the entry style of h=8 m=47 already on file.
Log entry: h=11 m=43
